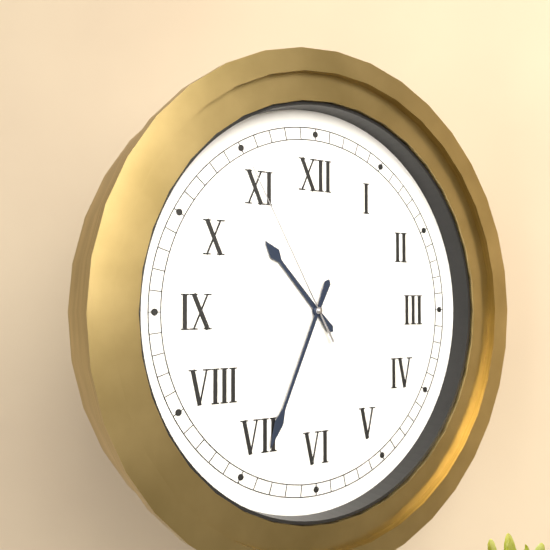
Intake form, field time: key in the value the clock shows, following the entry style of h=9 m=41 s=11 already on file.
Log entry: h=10 m=34 s=55
